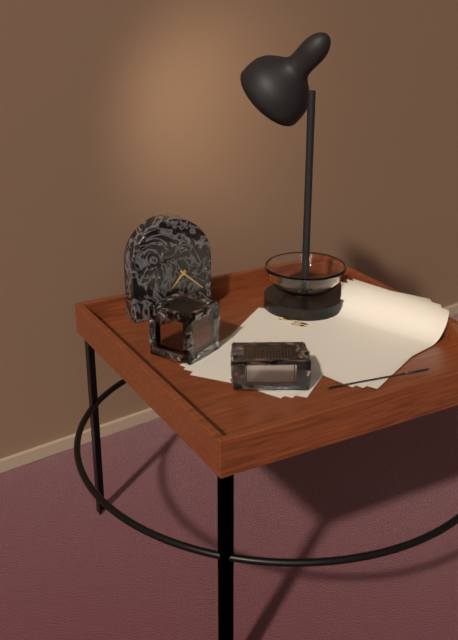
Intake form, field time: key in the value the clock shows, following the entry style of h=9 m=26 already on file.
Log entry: h=7 m=22
